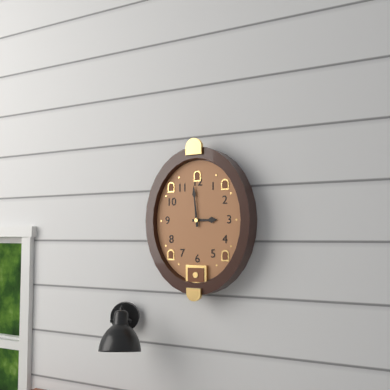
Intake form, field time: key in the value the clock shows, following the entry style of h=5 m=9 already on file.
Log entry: h=2 m=59
